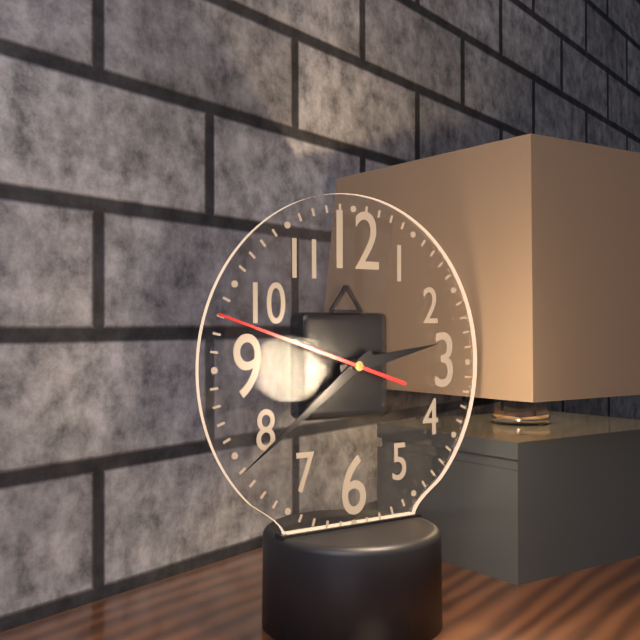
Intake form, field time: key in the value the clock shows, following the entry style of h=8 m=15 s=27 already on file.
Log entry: h=2 m=39 s=48
